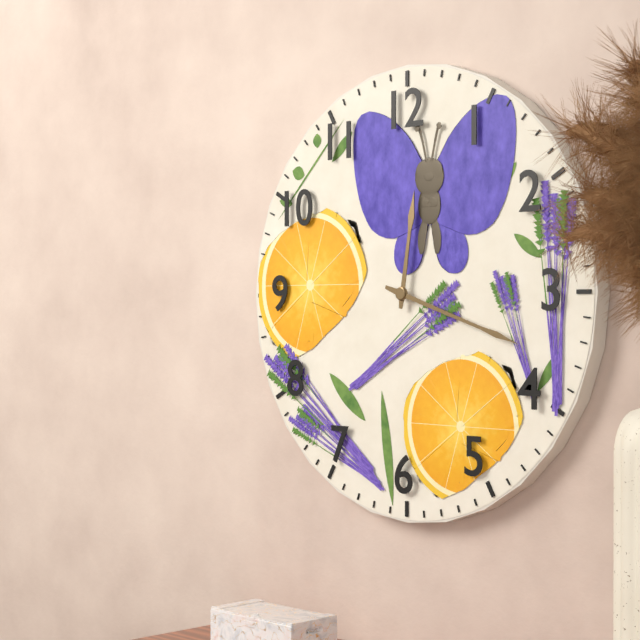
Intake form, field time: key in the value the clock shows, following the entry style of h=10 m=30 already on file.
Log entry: h=12 m=18
